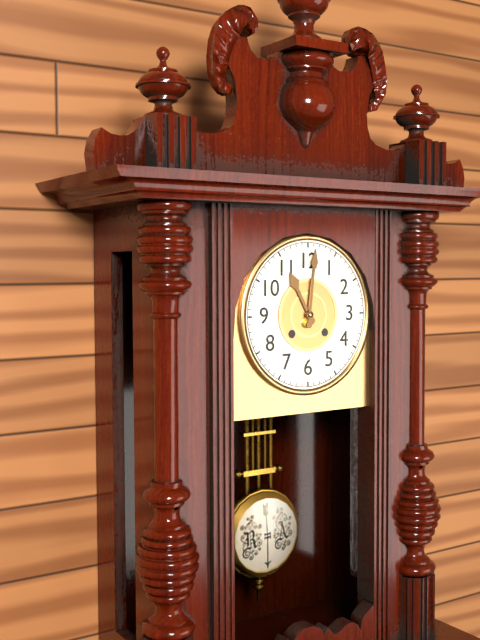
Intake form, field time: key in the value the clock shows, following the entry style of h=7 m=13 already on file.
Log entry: h=11 m=1
